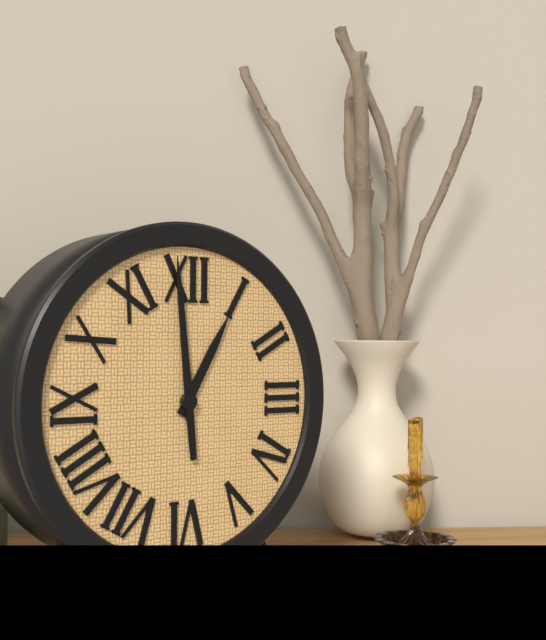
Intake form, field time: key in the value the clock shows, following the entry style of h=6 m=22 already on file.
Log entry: h=12 m=59
